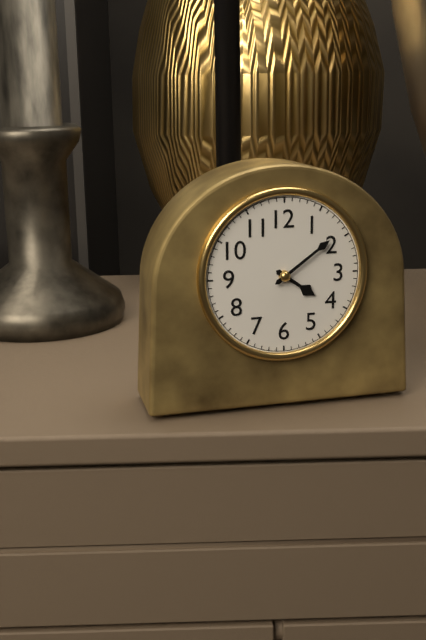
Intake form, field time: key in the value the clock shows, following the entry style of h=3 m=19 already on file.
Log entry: h=4 m=9
